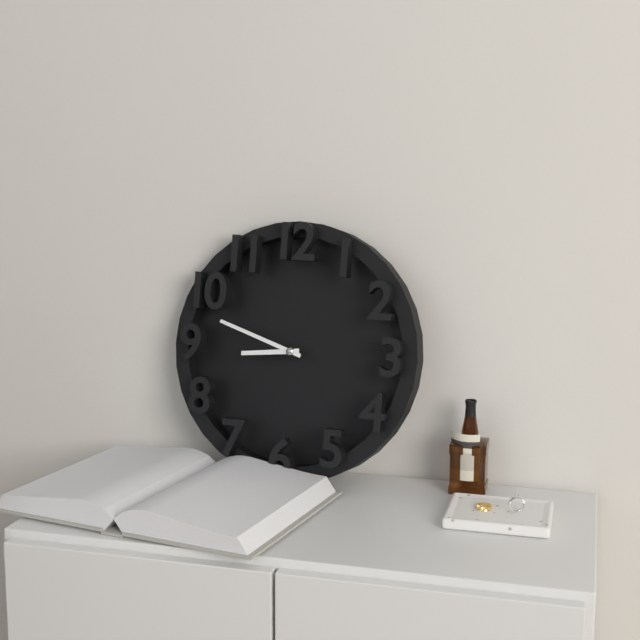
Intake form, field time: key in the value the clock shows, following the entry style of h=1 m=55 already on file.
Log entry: h=8 m=48
